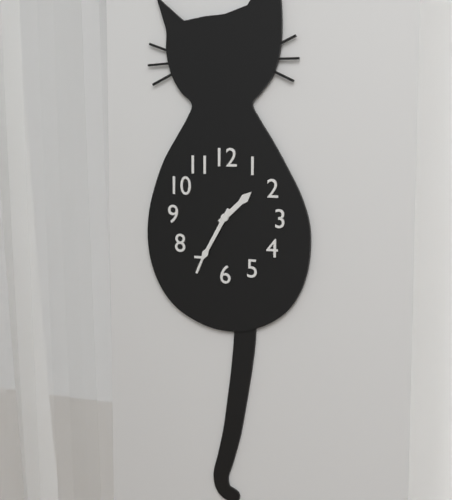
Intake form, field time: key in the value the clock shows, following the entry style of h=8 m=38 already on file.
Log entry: h=1 m=35
